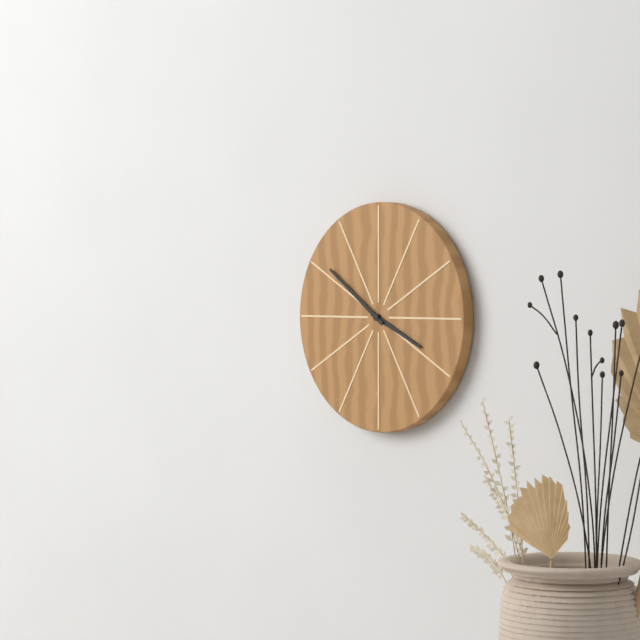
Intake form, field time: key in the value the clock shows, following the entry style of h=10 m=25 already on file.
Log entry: h=3 m=51
